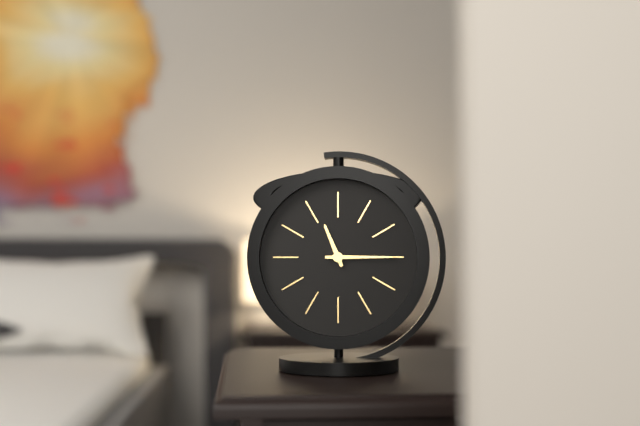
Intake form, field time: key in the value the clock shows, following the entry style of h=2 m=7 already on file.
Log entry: h=11 m=15
